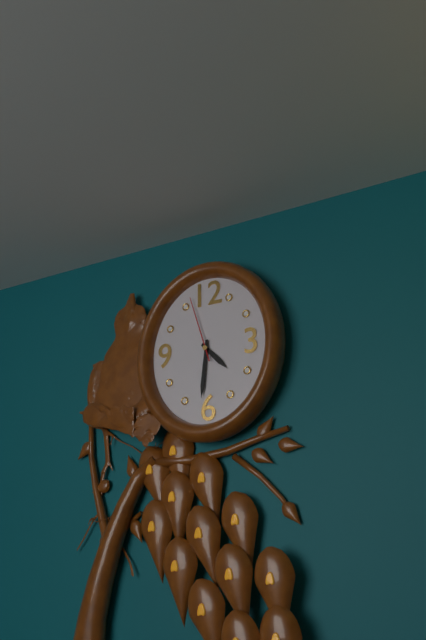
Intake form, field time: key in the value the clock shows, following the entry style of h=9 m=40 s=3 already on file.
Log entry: h=4 m=31 s=57
